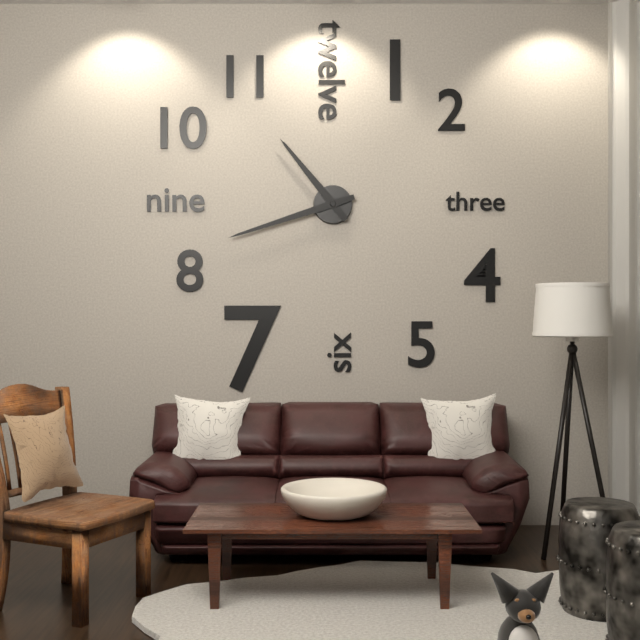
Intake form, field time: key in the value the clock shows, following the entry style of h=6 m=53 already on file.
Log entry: h=10 m=42
